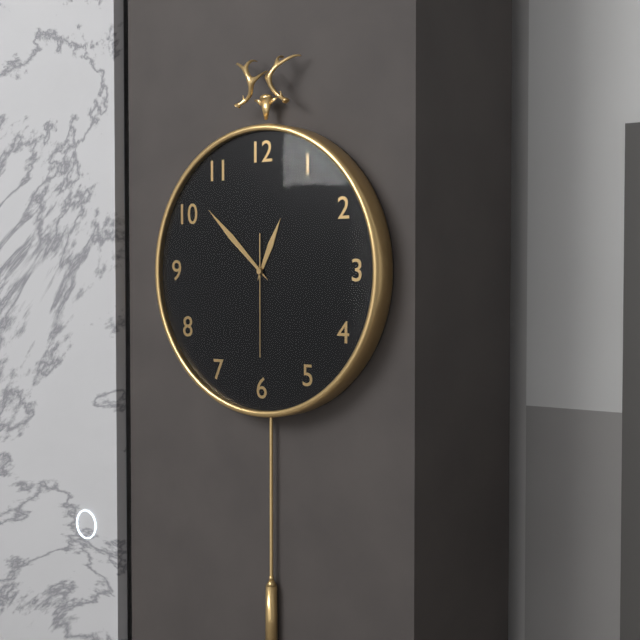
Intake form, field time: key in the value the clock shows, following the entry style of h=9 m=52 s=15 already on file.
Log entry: h=12 m=52 s=30
